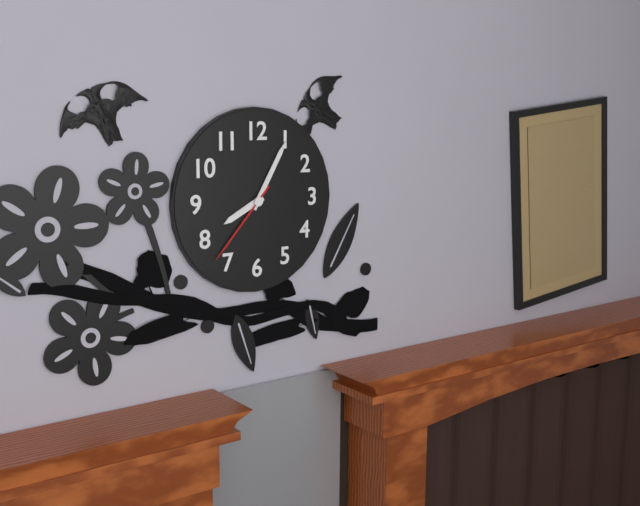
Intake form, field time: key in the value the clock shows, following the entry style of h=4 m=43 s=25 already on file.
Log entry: h=8 m=5 s=37
